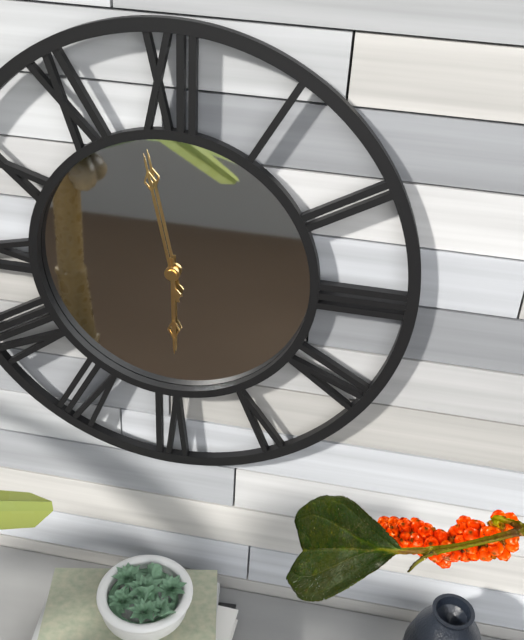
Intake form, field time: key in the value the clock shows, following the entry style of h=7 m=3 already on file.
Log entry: h=5 m=58
